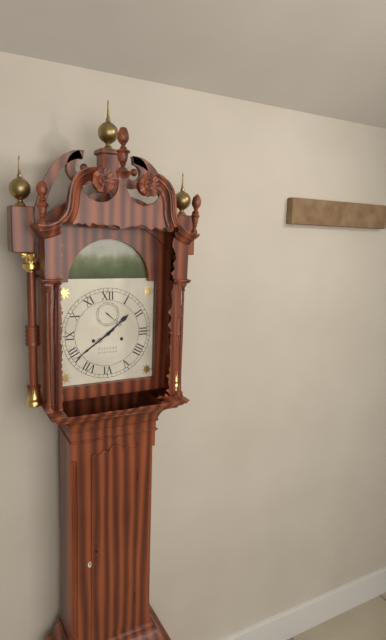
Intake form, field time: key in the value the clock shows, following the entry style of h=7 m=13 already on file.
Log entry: h=1 m=39
